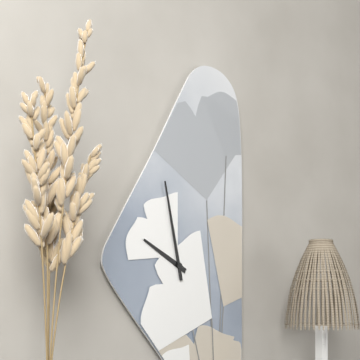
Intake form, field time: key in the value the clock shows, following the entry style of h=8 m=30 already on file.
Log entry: h=9 m=58
